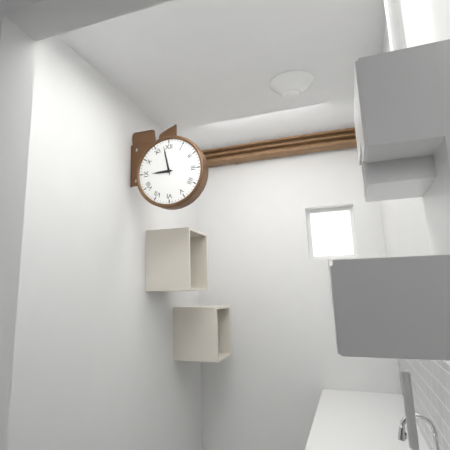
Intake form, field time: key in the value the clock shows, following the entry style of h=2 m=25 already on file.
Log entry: h=8 m=58
